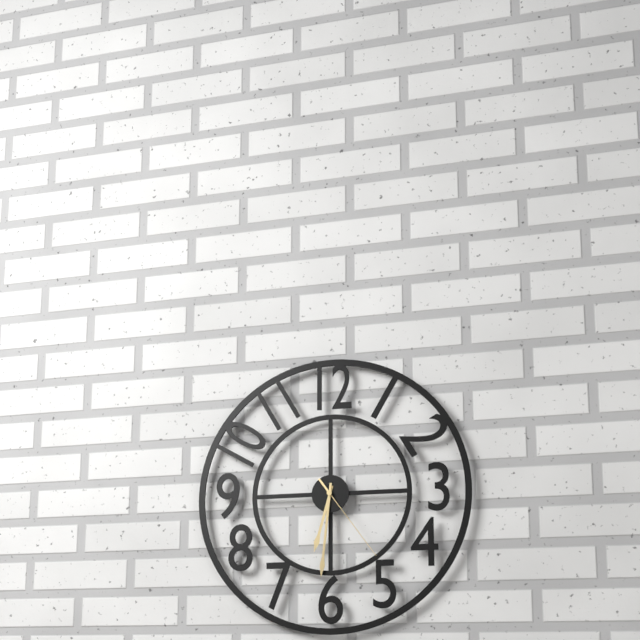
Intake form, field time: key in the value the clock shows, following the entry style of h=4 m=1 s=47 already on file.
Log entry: h=6 m=31 s=24
